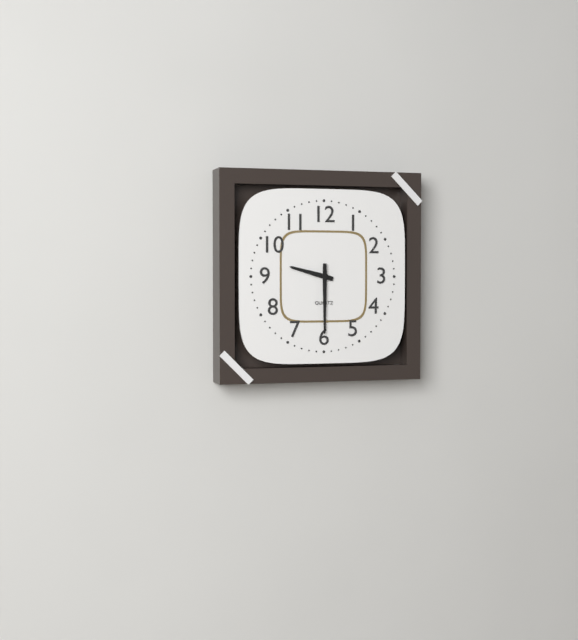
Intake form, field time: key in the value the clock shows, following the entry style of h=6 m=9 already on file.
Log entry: h=9 m=30
